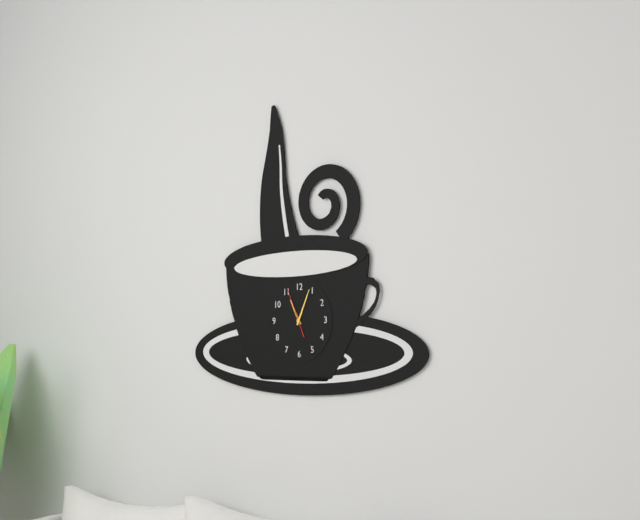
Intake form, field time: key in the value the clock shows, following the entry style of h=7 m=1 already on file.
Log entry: h=11 m=4
